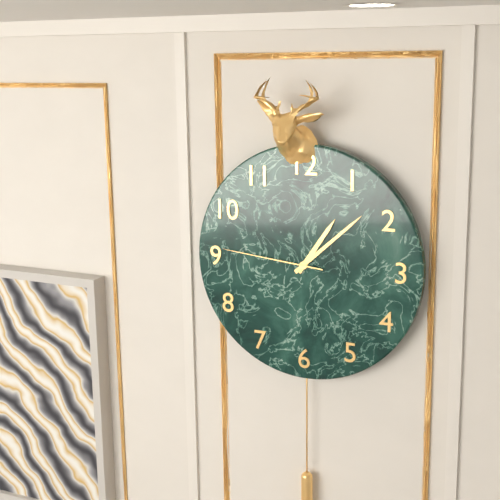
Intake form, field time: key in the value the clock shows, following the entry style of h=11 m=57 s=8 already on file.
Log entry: h=1 m=8 s=46
